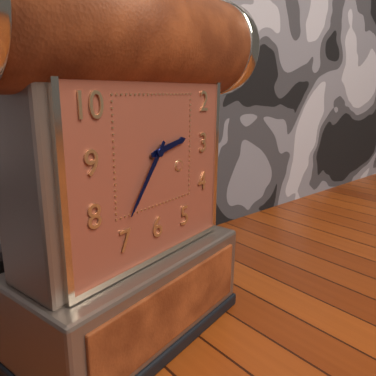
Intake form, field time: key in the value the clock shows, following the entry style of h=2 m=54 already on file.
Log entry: h=2 m=36
